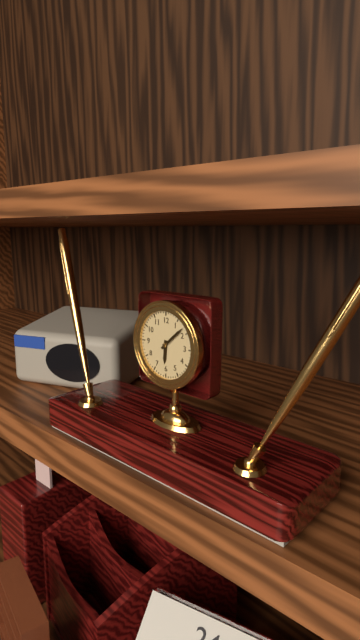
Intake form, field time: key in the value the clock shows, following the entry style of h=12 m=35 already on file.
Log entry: h=6 m=8
